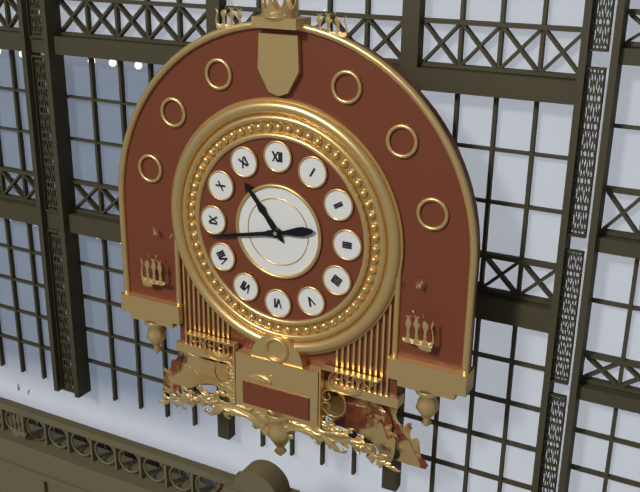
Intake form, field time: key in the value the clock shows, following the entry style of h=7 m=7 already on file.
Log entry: h=10 m=43
